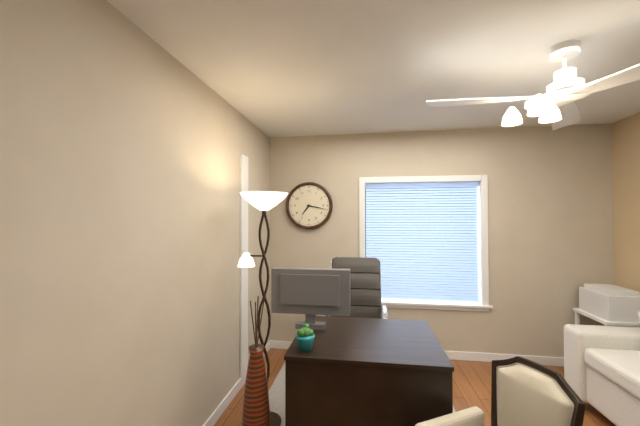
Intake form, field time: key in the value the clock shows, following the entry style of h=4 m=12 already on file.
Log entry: h=7 m=17
